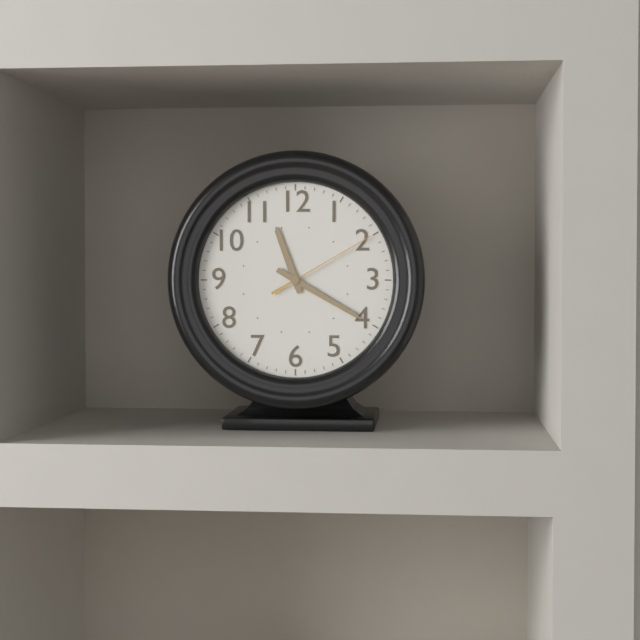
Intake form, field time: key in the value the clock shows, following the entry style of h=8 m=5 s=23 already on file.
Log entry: h=11 m=20 s=10
